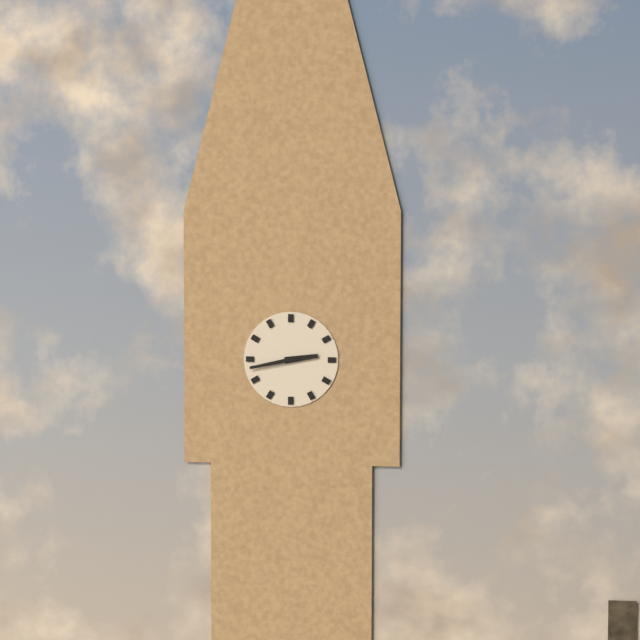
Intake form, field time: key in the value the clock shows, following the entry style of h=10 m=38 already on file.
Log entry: h=2 m=43
